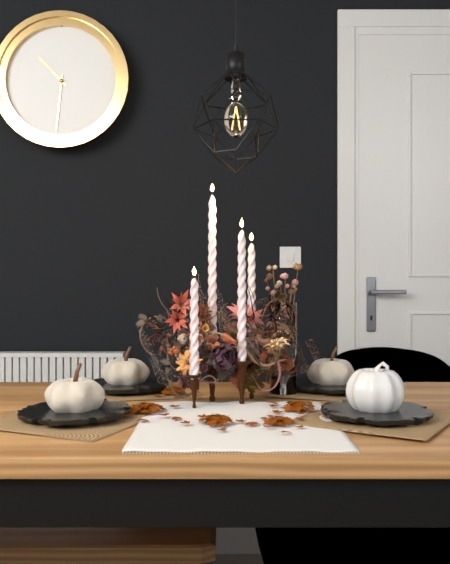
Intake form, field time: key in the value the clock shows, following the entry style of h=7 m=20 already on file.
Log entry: h=10 m=31
